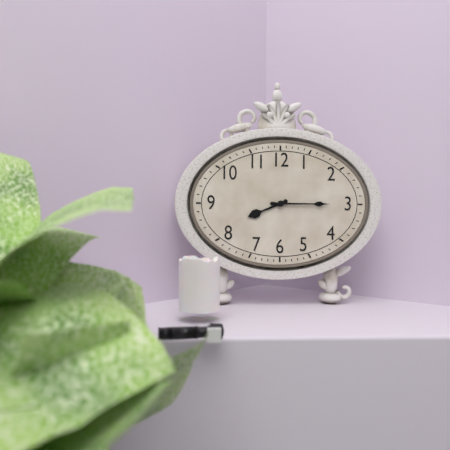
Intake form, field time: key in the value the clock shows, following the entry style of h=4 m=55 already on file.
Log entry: h=8 m=15
